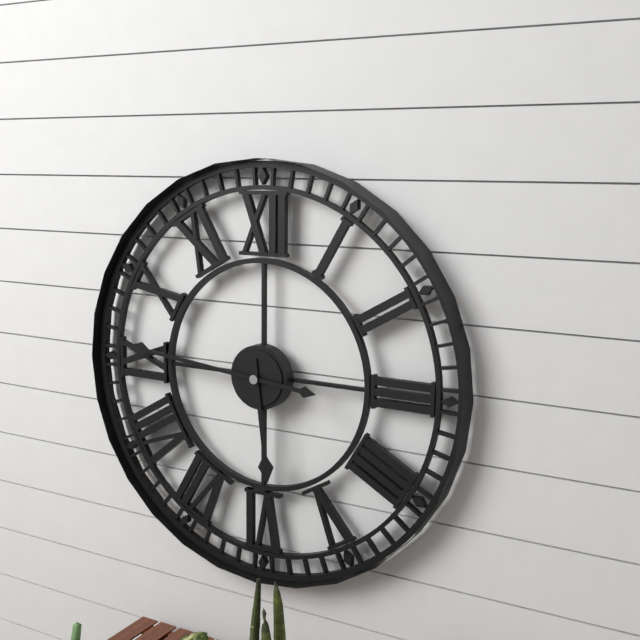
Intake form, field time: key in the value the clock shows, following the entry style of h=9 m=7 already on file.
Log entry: h=5 m=46
